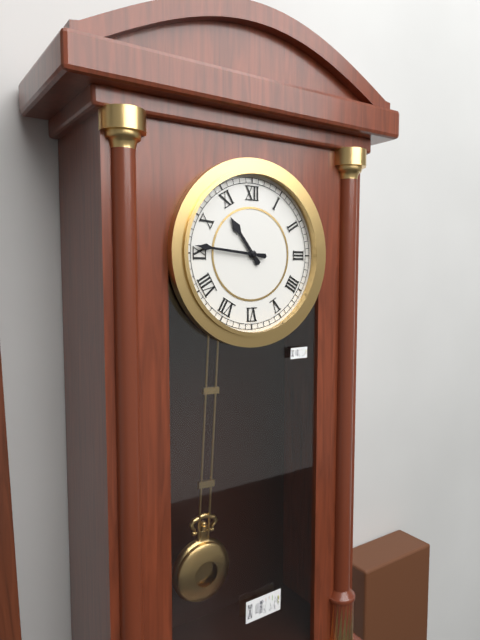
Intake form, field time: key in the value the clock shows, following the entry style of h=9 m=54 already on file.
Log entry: h=10 m=46
